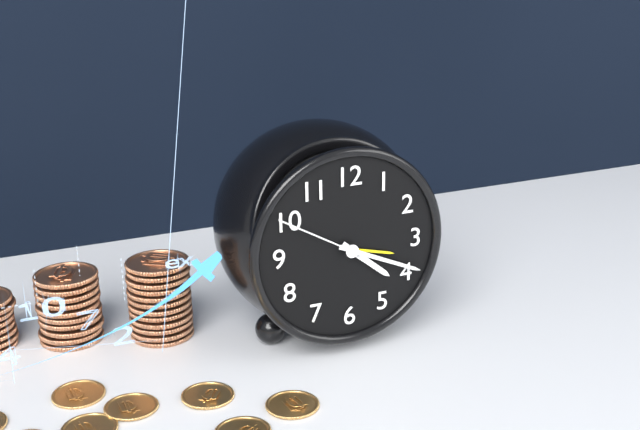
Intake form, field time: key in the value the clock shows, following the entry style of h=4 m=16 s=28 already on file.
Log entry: h=4 m=19 s=50
